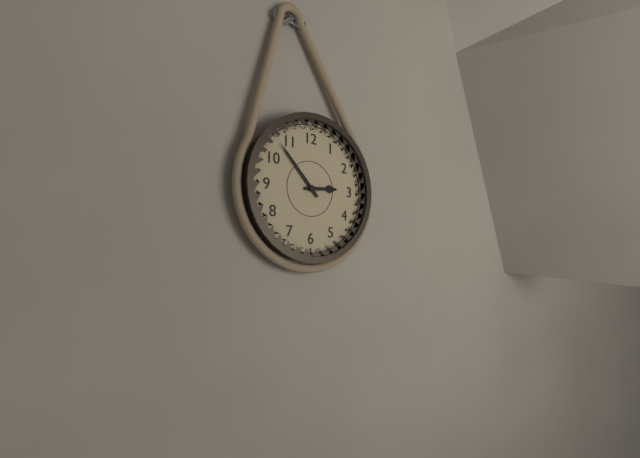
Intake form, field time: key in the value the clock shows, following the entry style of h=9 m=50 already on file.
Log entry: h=2 m=53
